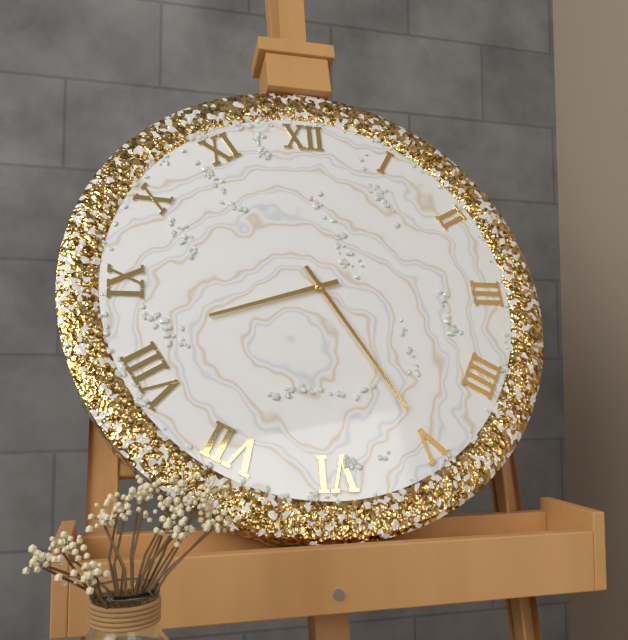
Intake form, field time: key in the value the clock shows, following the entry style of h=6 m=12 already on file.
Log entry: h=8 m=25
